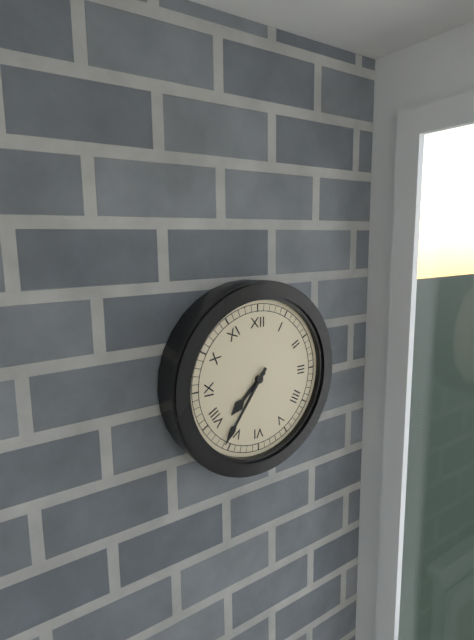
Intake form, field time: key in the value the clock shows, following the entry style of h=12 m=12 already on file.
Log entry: h=7 m=36
